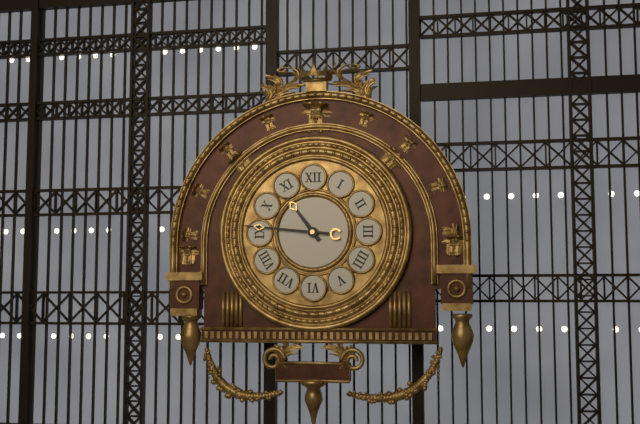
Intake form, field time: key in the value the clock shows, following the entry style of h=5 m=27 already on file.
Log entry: h=10 m=46
